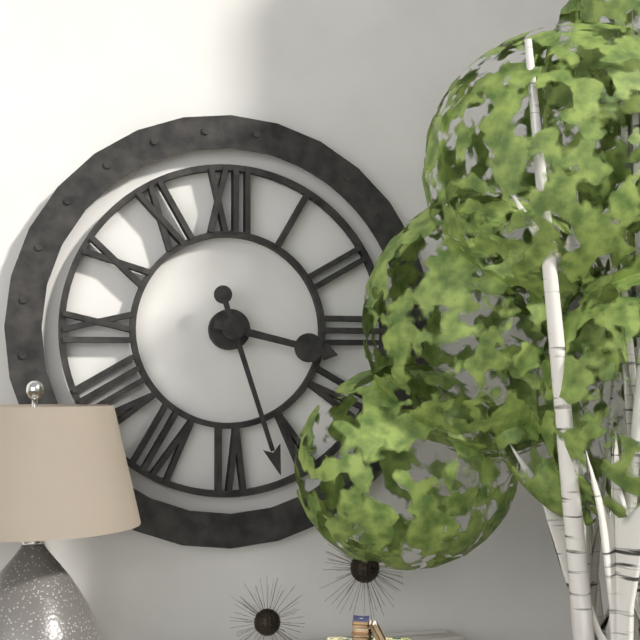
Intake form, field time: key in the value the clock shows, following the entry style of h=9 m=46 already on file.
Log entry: h=3 m=27
